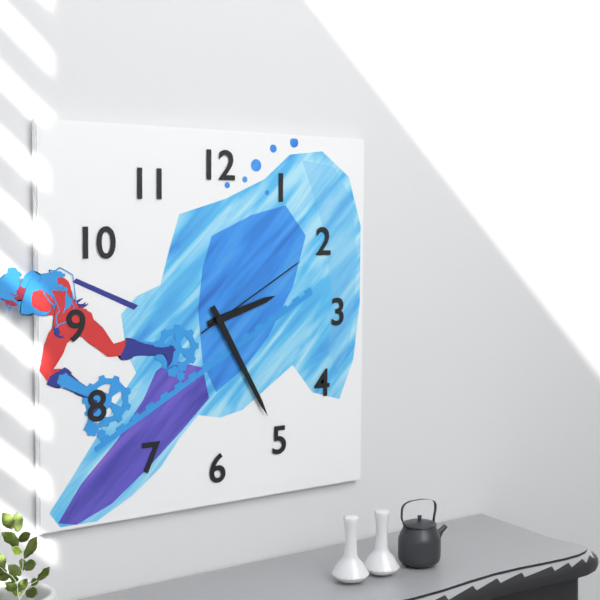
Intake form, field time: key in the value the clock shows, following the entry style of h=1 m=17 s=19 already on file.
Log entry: h=2 m=25 s=10
